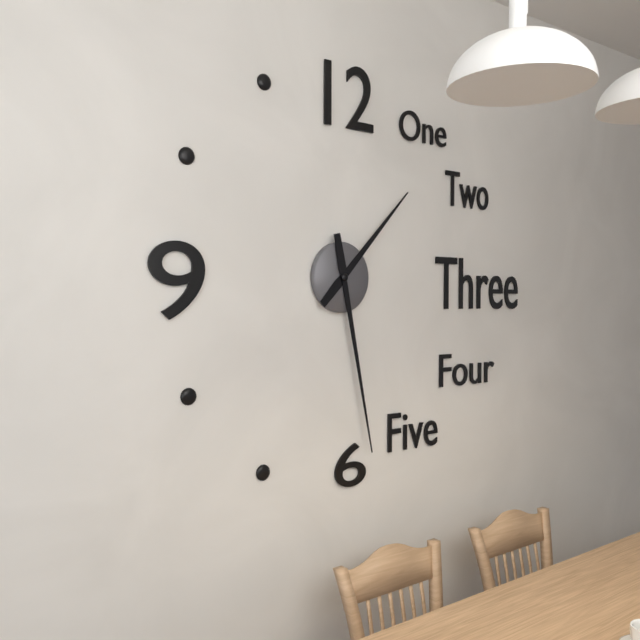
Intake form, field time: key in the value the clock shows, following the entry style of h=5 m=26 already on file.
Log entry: h=1 m=28
